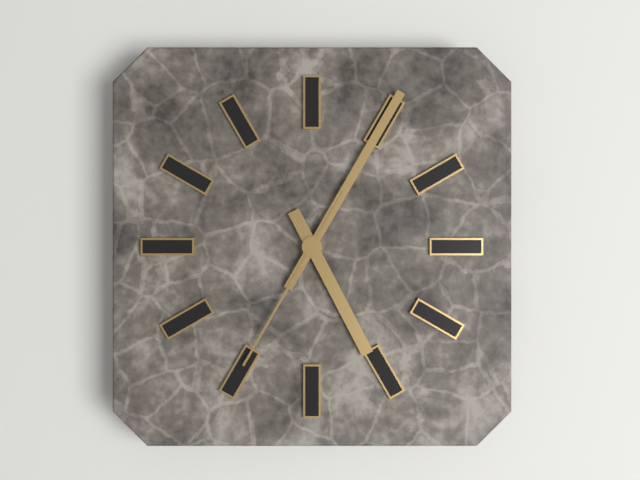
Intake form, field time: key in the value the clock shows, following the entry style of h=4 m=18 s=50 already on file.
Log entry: h=5 m=5 s=35
